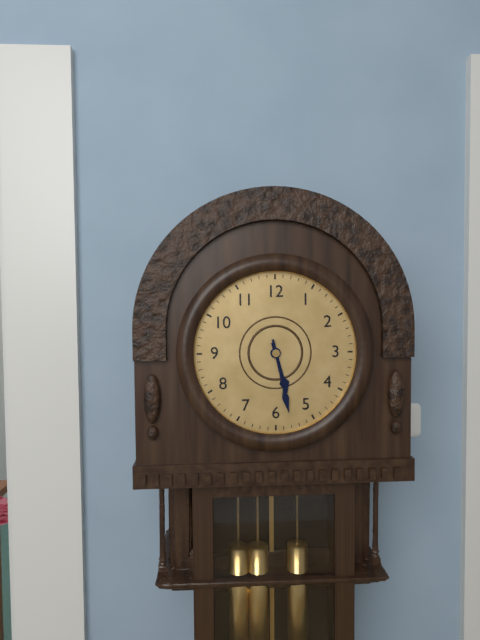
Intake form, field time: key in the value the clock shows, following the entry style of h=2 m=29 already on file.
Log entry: h=5 m=28
